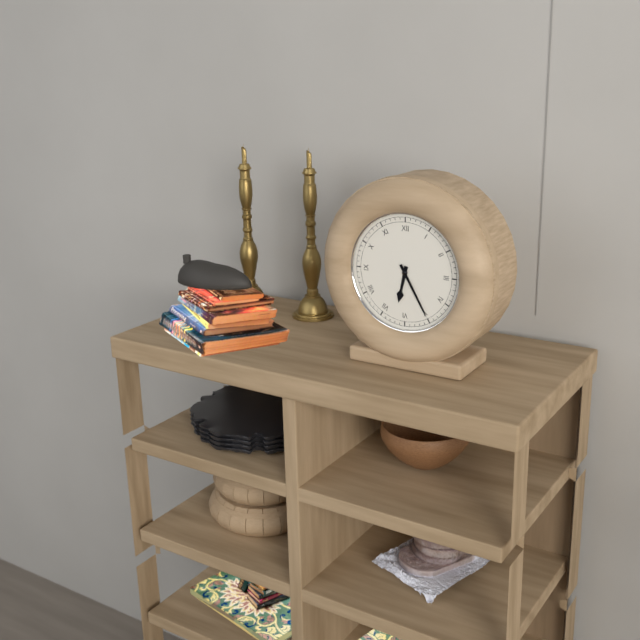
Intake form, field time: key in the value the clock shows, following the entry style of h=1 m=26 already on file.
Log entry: h=6 m=25
